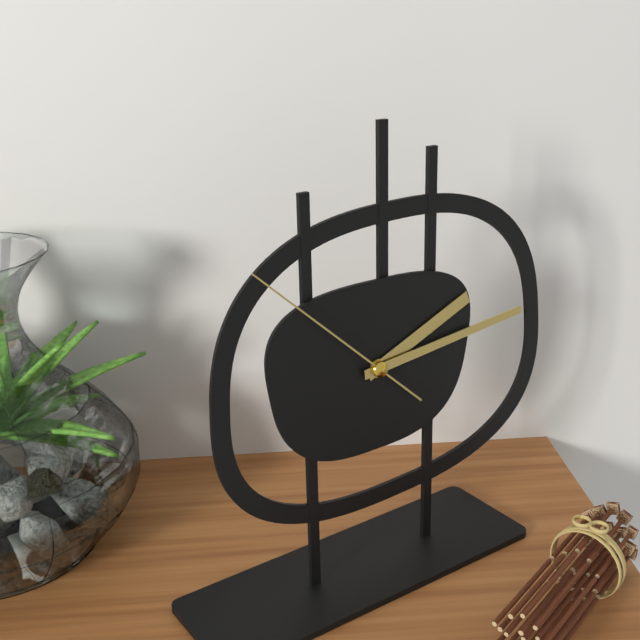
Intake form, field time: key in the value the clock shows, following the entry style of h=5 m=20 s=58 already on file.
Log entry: h=2 m=14 s=52
